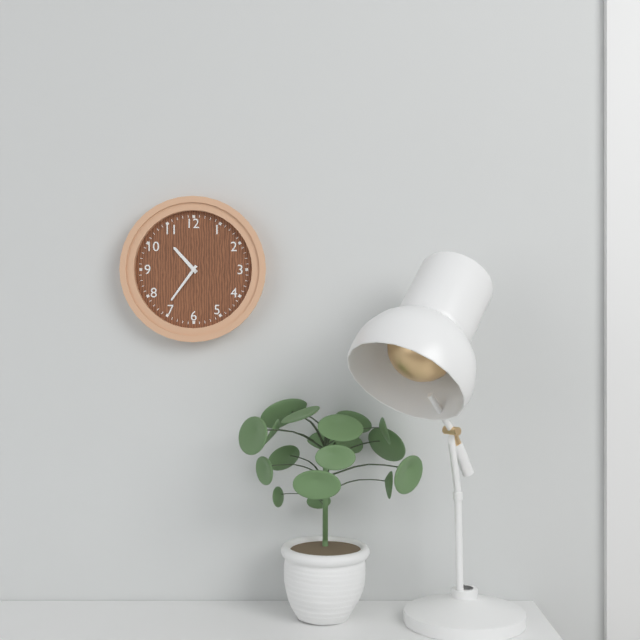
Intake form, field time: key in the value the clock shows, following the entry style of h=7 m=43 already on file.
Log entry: h=10 m=36
